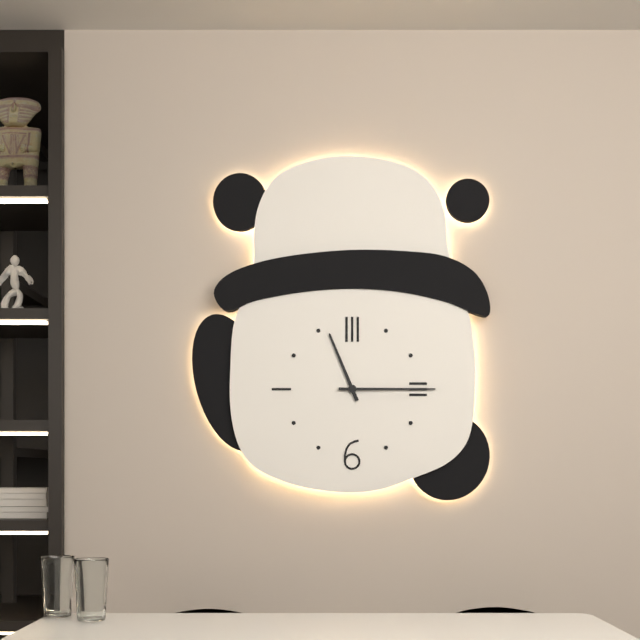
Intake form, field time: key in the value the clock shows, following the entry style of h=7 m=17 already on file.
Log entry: h=11 m=15
